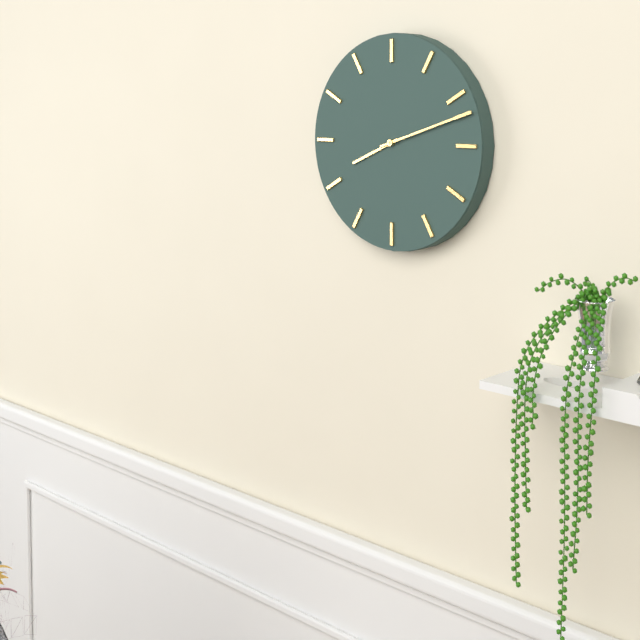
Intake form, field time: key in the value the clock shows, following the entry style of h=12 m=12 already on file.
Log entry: h=8 m=12
